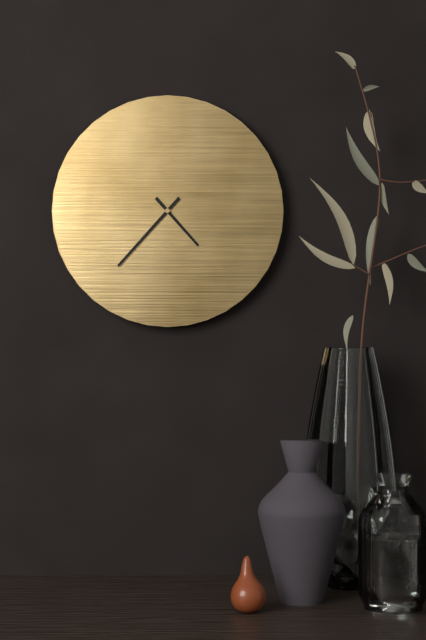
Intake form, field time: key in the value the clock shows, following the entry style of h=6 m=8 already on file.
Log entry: h=4 m=37
